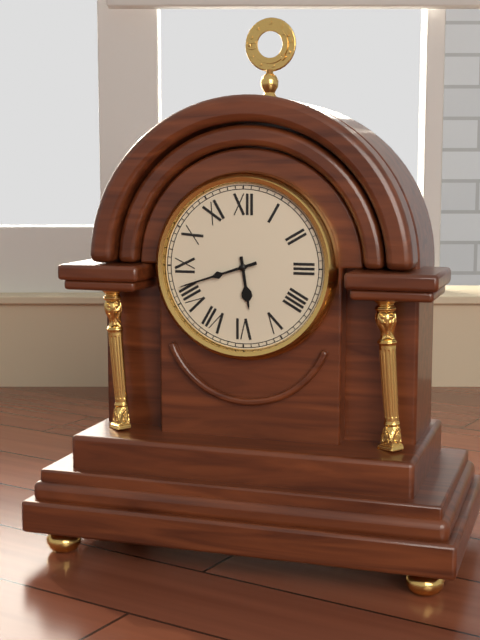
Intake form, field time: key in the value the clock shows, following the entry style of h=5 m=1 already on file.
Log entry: h=5 m=42
